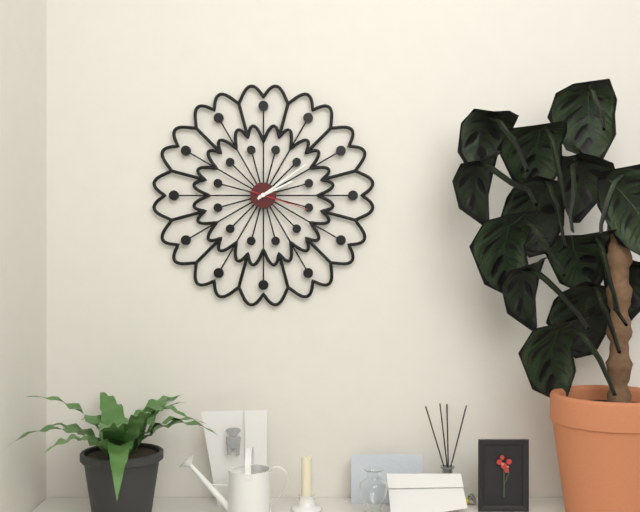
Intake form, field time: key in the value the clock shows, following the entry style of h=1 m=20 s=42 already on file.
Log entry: h=2 m=9 s=18
